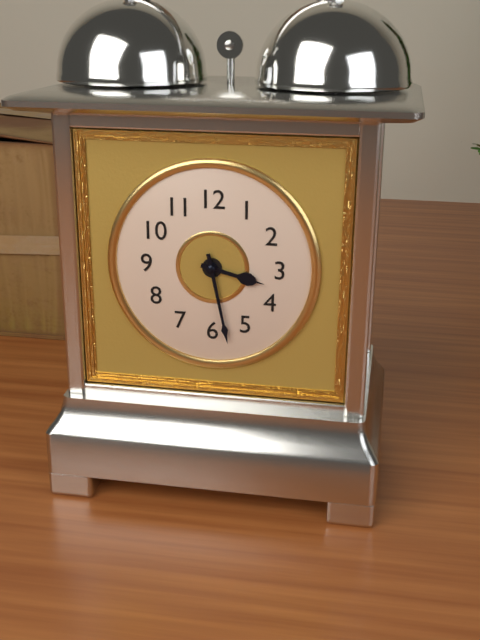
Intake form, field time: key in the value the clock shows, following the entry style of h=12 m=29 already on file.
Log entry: h=3 m=28
